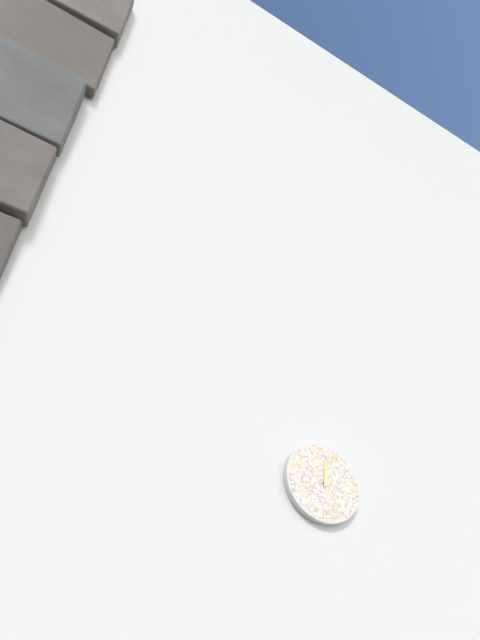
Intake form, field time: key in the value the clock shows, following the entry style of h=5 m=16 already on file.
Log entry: h=12 m=2
